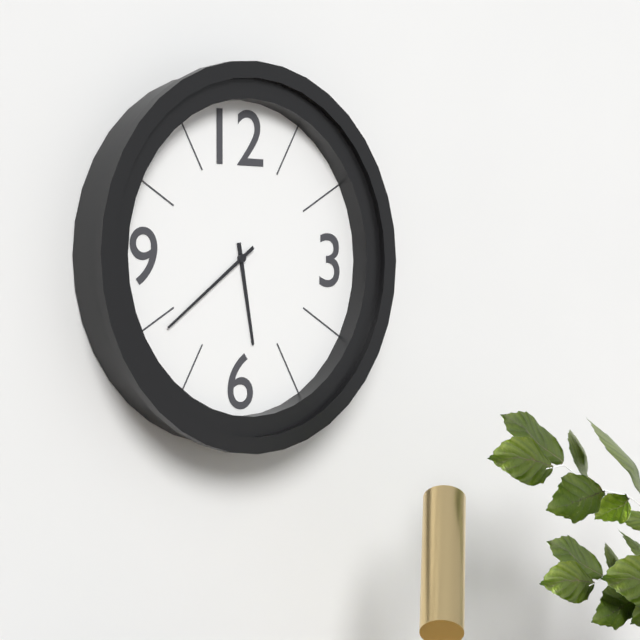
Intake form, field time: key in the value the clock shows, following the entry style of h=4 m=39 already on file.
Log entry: h=5 m=39
